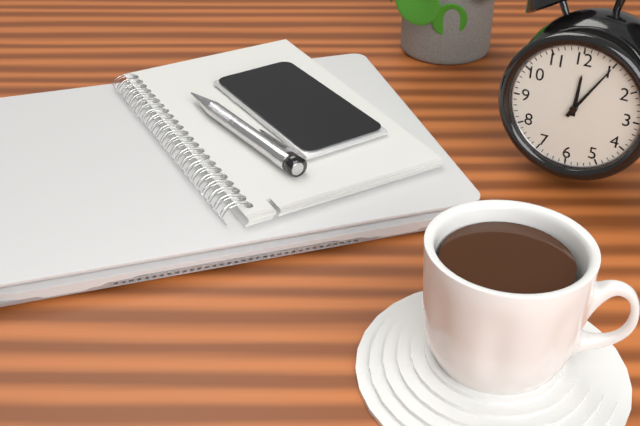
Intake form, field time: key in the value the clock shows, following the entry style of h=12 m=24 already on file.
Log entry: h=12 m=5
